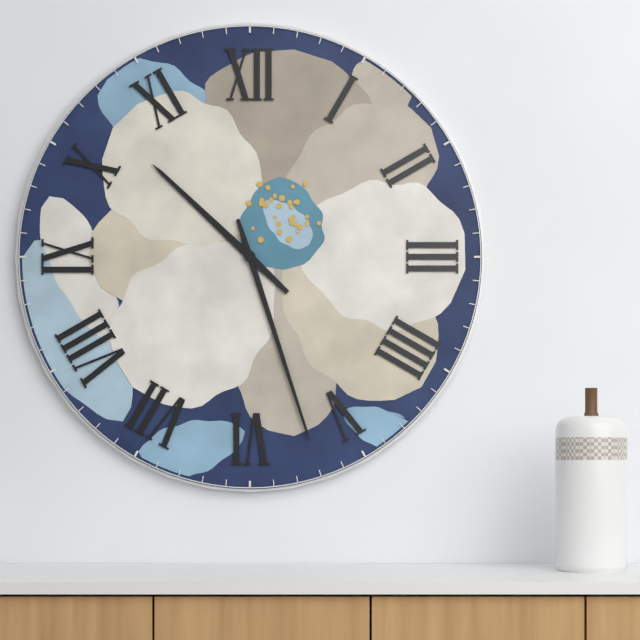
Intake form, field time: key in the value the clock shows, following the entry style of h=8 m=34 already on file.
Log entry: h=10 m=27
